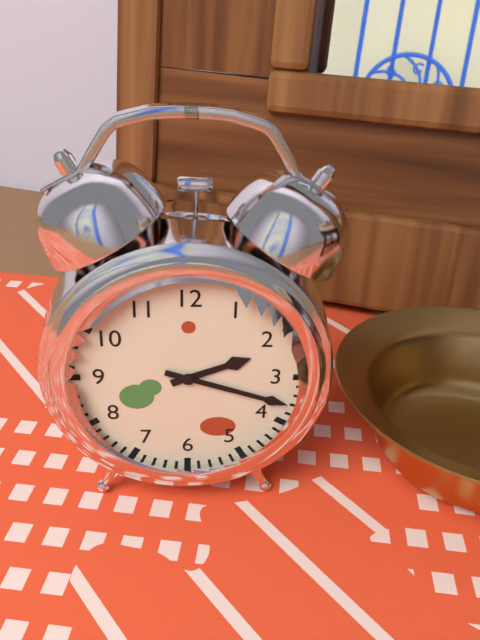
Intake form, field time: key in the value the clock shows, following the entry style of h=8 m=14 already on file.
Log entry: h=2 m=18
